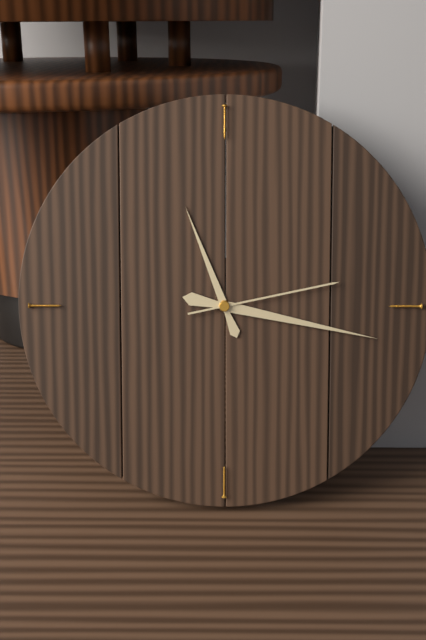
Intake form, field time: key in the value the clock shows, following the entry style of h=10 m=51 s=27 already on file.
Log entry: h=11 m=17 s=13
